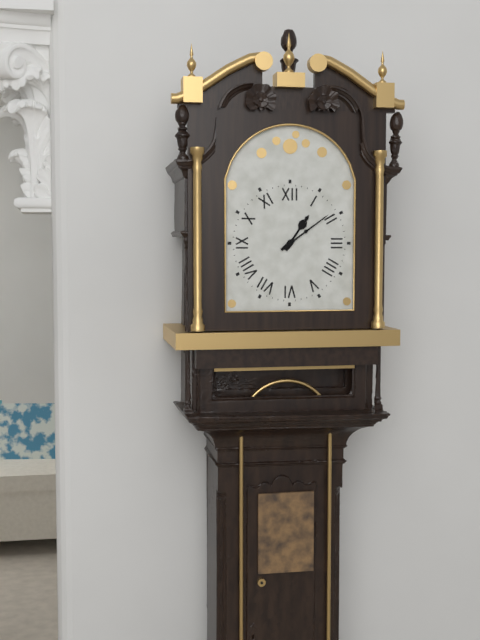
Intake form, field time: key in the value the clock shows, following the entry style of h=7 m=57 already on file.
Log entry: h=1 m=9
